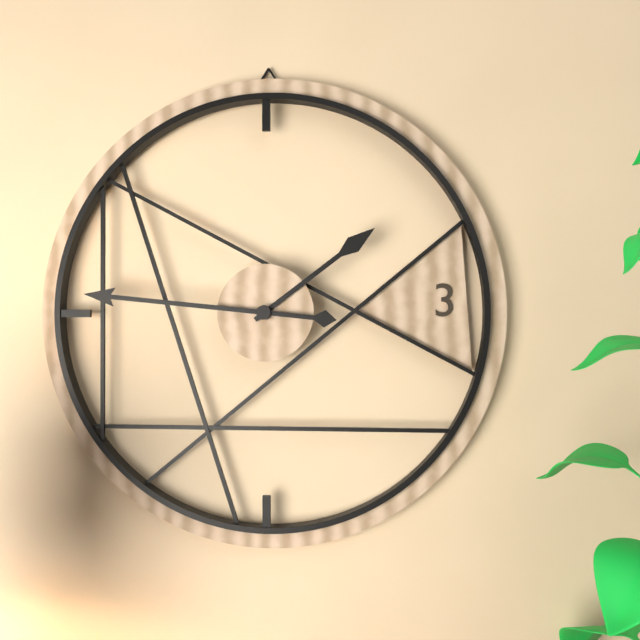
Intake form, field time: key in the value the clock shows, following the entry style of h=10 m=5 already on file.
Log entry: h=1 m=46
